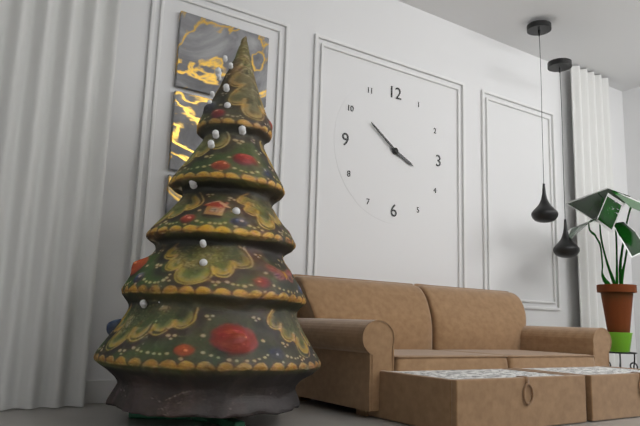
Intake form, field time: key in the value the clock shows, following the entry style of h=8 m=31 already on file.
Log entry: h=3 m=51
